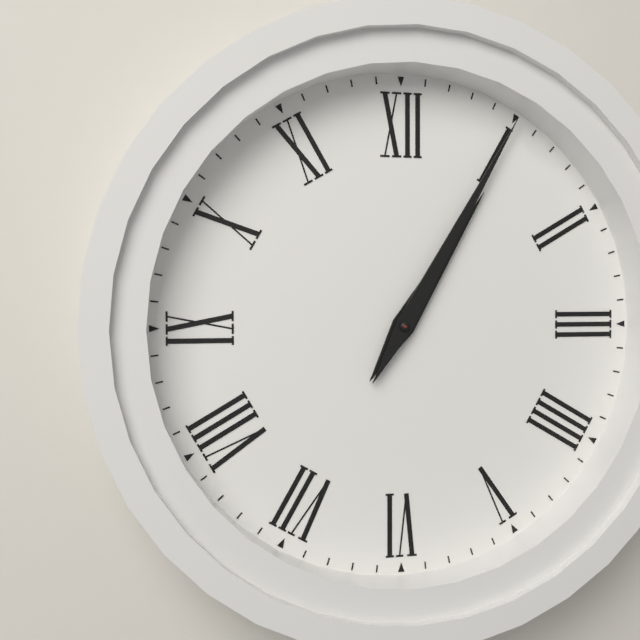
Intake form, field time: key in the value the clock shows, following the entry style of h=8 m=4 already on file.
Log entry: h=1 m=5
